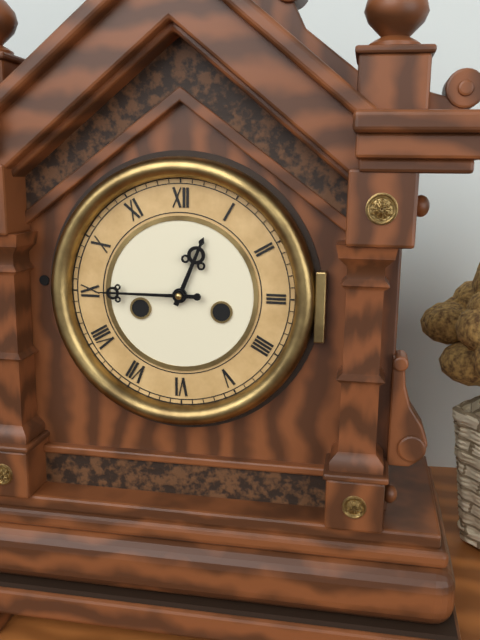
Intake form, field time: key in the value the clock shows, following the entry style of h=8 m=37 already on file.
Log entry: h=12 m=45
